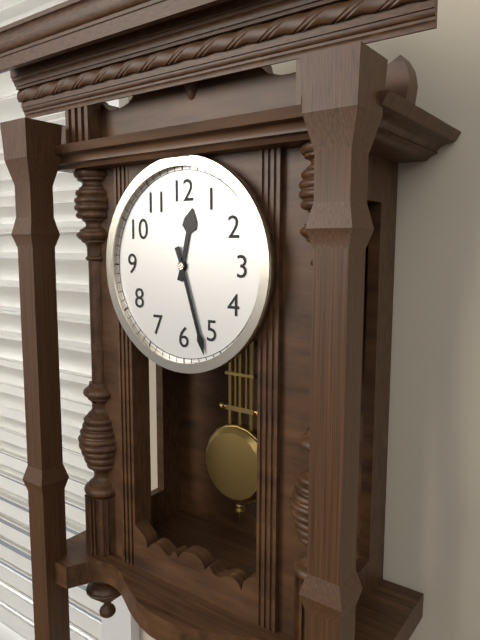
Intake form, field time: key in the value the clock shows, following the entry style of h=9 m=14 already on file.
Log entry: h=12 m=27
